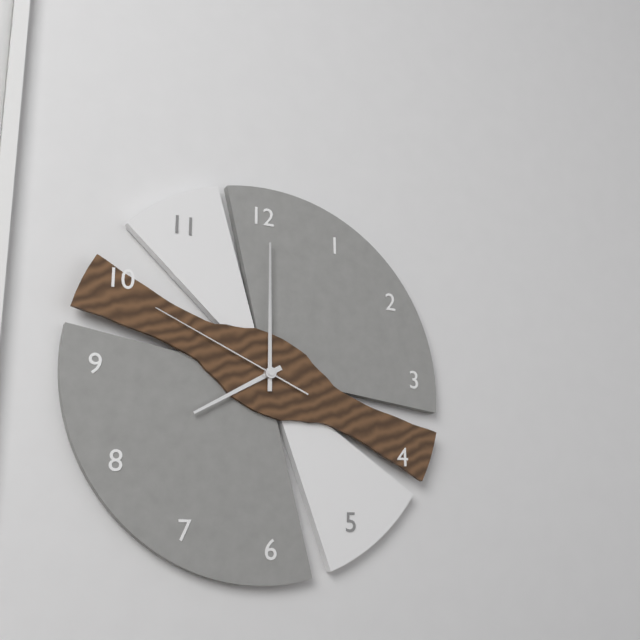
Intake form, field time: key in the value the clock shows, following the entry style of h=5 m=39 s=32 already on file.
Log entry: h=8 m=0 s=49
